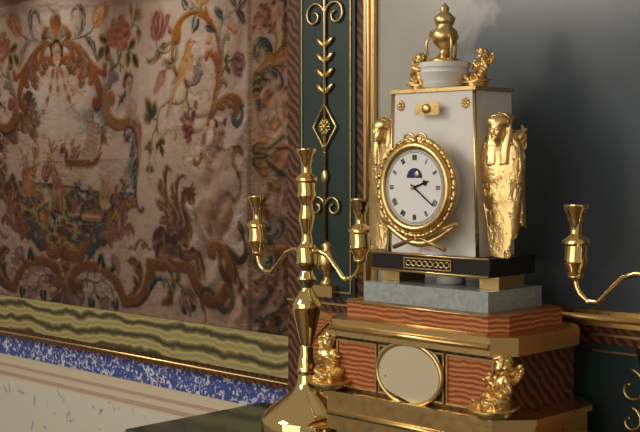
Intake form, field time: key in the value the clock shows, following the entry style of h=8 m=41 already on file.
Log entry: h=2 m=21
